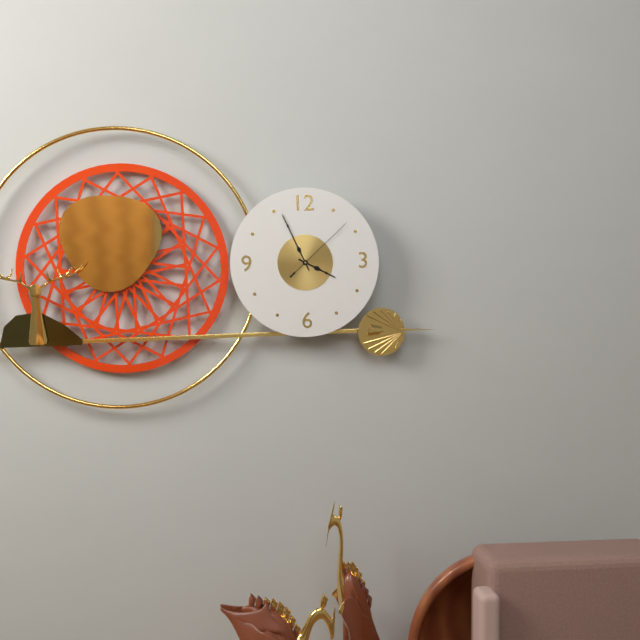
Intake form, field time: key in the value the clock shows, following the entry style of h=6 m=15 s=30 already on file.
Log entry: h=3 m=56 s=8
